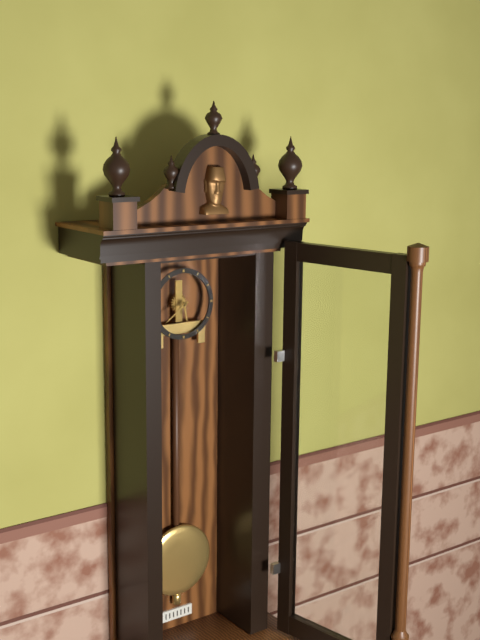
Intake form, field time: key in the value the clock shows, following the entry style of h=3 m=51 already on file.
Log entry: h=5 m=39
